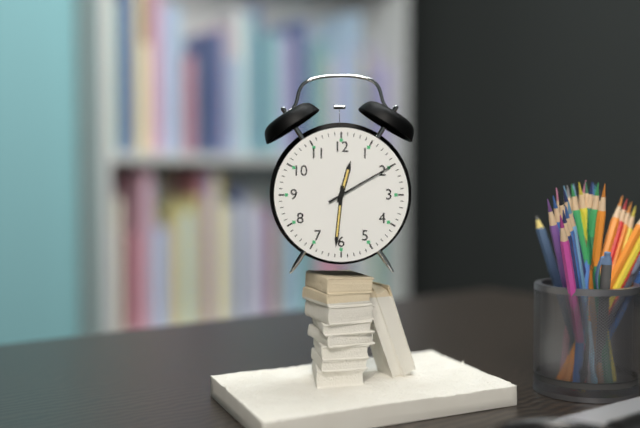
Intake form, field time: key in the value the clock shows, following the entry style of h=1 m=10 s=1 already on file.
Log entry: h=12 m=31 s=10
